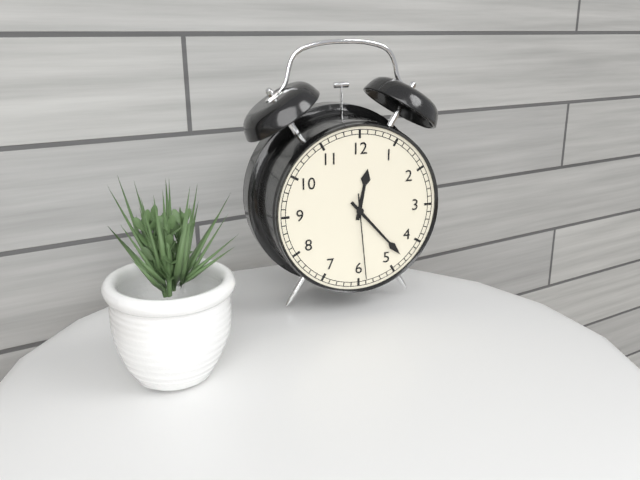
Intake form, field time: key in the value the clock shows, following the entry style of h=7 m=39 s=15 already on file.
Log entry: h=12 m=23 s=29
